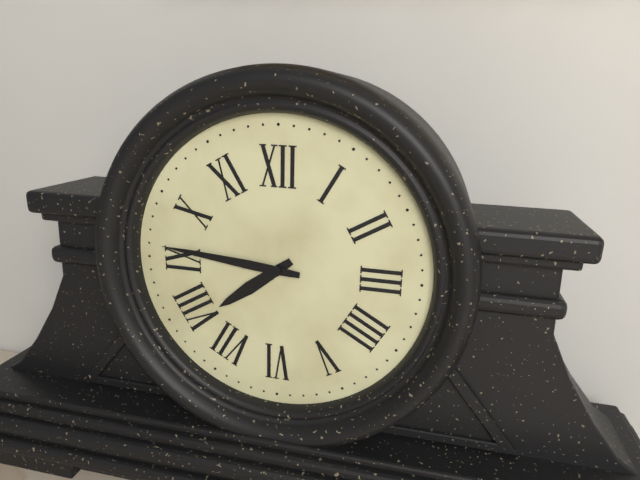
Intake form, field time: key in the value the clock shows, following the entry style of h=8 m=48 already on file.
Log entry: h=7 m=46
